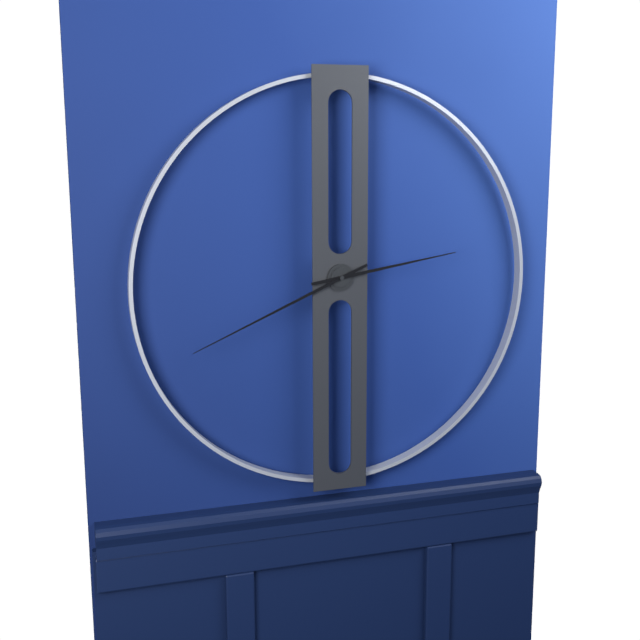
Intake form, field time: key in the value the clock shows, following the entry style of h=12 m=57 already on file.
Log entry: h=2 m=41
